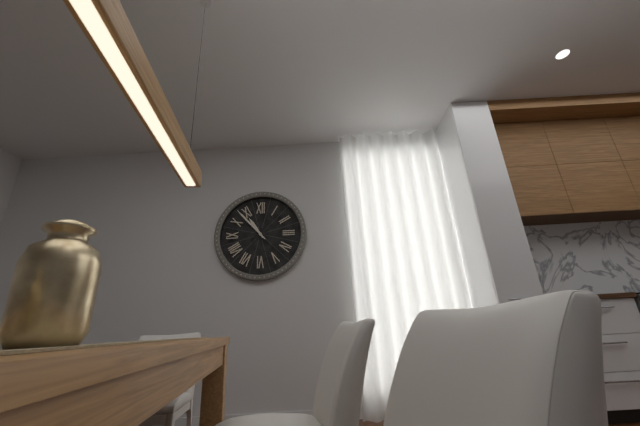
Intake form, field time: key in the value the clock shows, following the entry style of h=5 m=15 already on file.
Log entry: h=10 m=53
